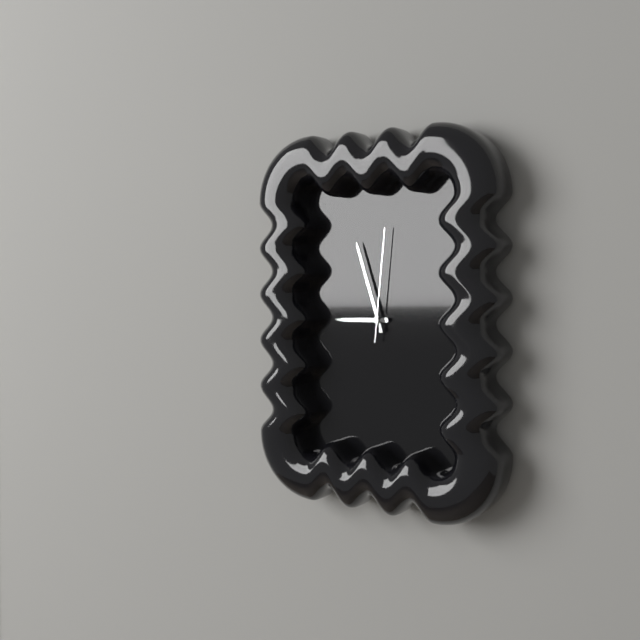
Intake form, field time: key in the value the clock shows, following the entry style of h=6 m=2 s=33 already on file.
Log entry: h=8 m=57 s=1
